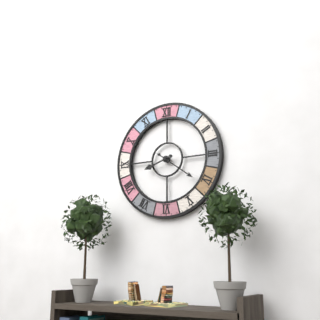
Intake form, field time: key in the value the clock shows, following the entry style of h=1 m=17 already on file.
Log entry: h=8 m=21
